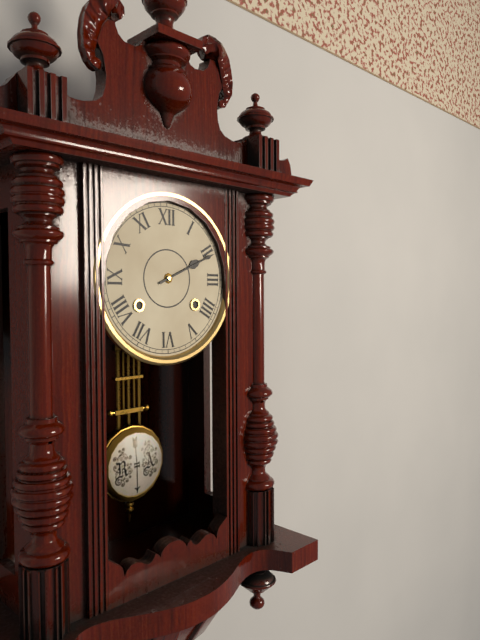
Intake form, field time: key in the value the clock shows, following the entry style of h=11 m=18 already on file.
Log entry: h=2 m=11
